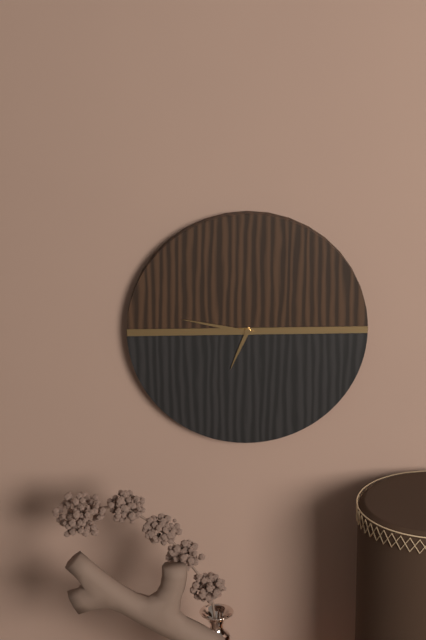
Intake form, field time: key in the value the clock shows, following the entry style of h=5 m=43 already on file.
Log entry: h=6 m=47
